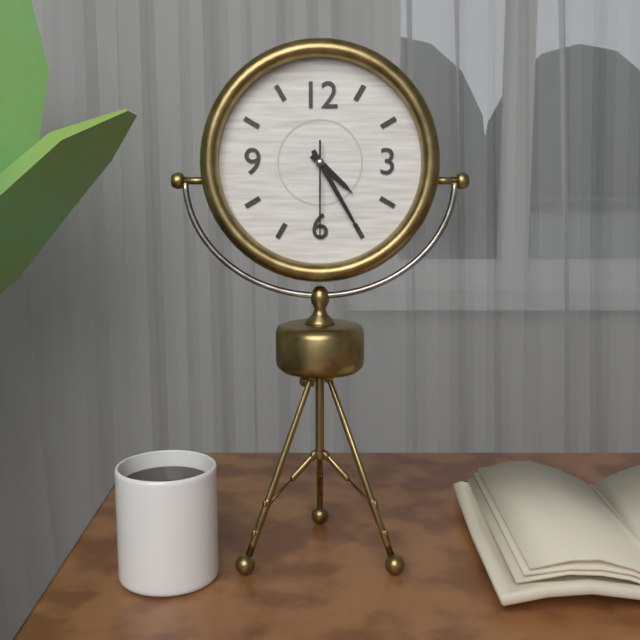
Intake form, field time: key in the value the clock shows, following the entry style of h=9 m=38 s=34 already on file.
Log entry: h=4 m=25 s=30
